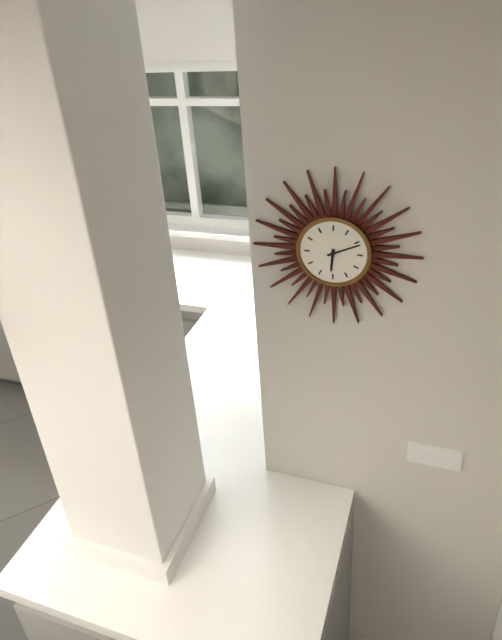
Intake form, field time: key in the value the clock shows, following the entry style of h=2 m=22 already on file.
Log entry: h=6 m=11
